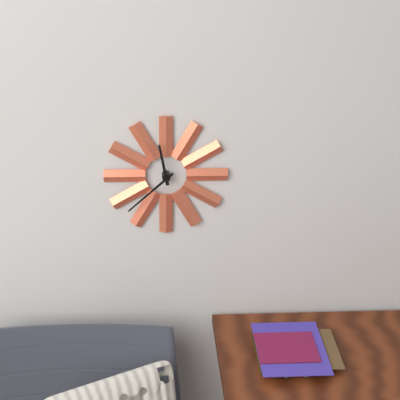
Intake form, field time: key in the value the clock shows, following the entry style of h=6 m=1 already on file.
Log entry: h=11 m=38
